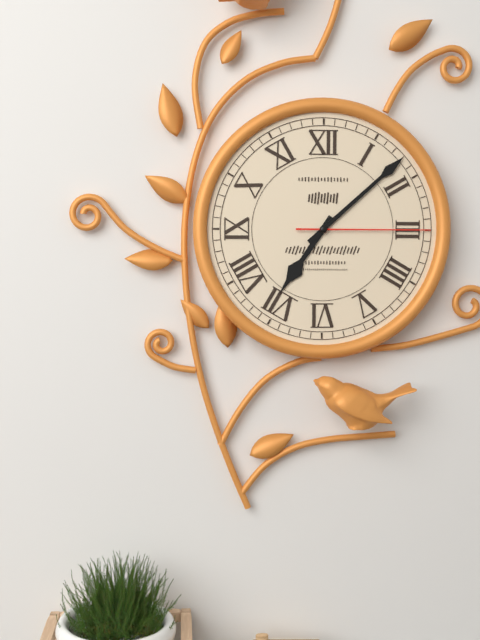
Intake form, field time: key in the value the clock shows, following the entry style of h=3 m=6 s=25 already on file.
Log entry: h=7 m=8 s=15
